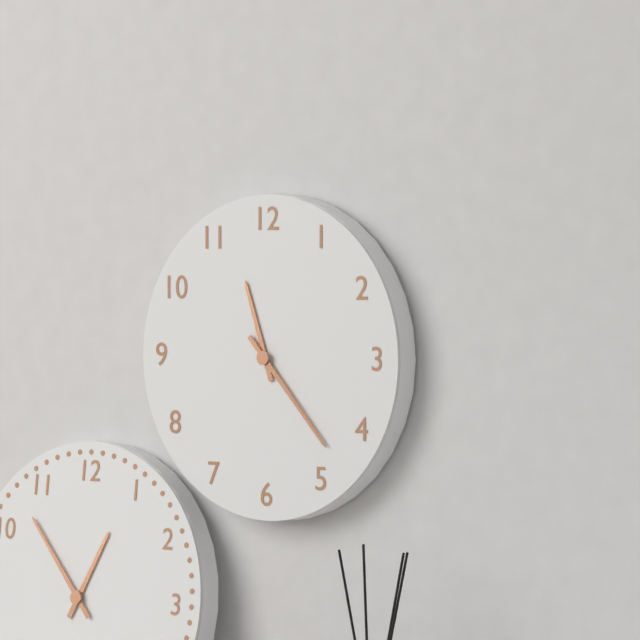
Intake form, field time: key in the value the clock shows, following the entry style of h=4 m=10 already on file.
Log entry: h=11 m=23
